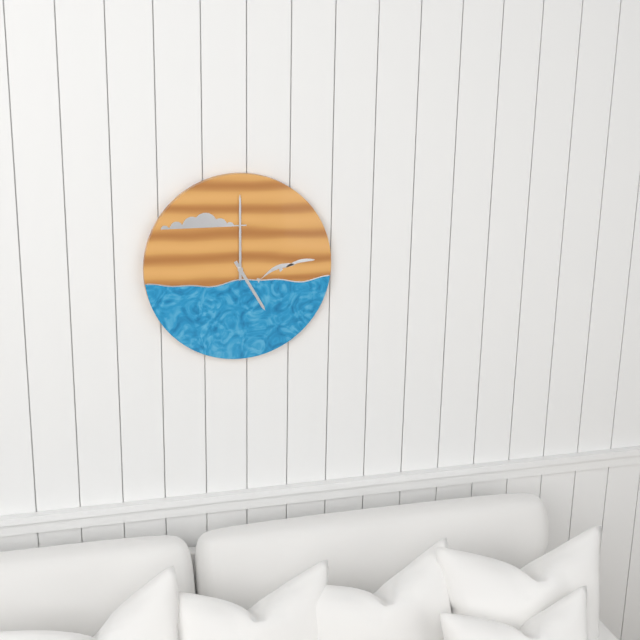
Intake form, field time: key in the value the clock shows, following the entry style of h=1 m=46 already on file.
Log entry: h=5 m=0
